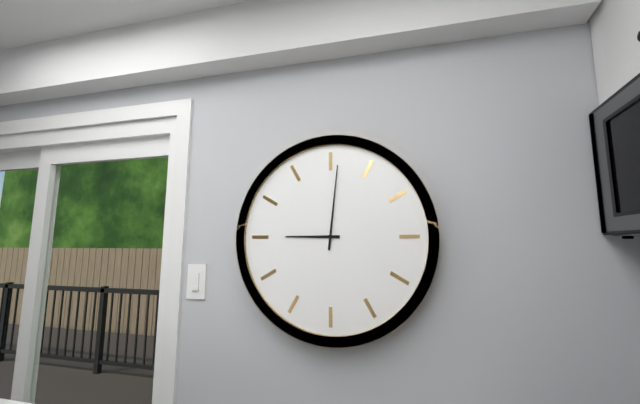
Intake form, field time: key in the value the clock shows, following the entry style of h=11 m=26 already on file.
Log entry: h=9 m=1
